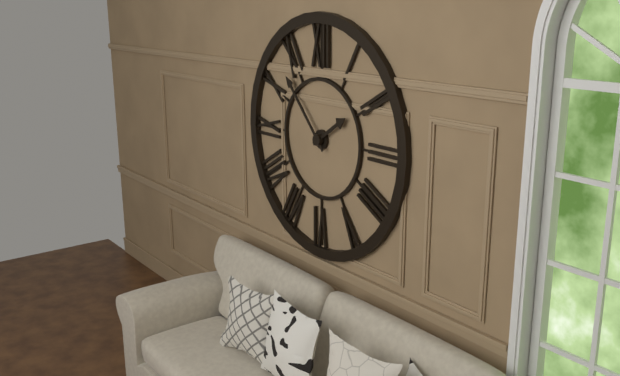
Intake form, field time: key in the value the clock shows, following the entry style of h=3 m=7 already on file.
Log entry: h=1 m=53
